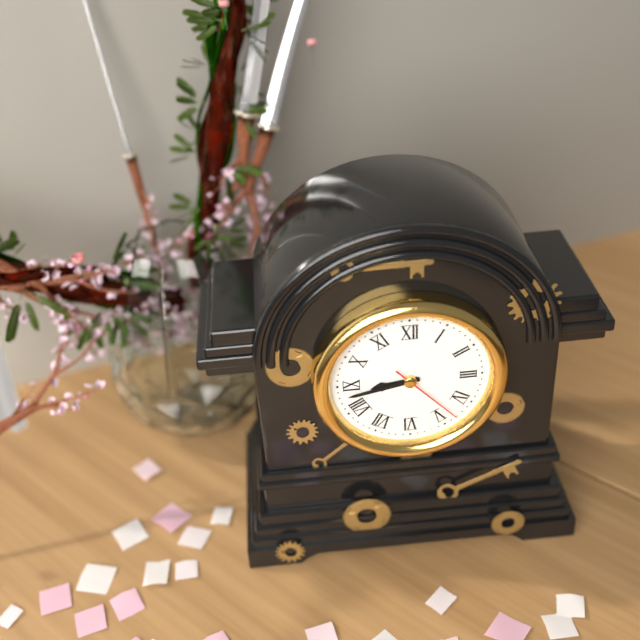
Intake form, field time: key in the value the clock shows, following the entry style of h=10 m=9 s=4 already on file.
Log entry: h=8 m=43 s=23
